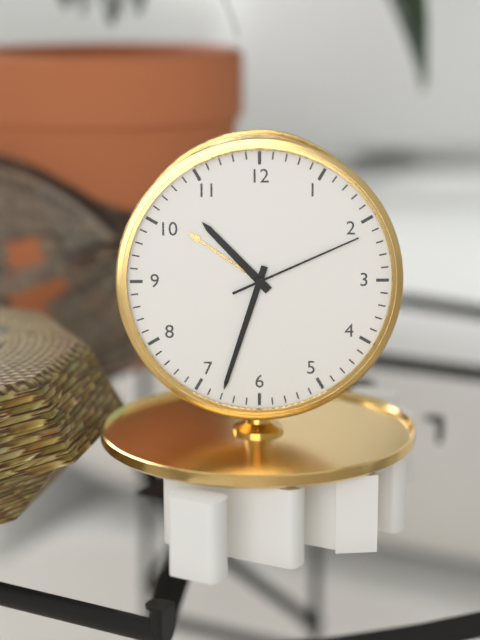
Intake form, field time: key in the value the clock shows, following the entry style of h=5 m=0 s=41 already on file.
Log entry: h=10 m=33 s=11
